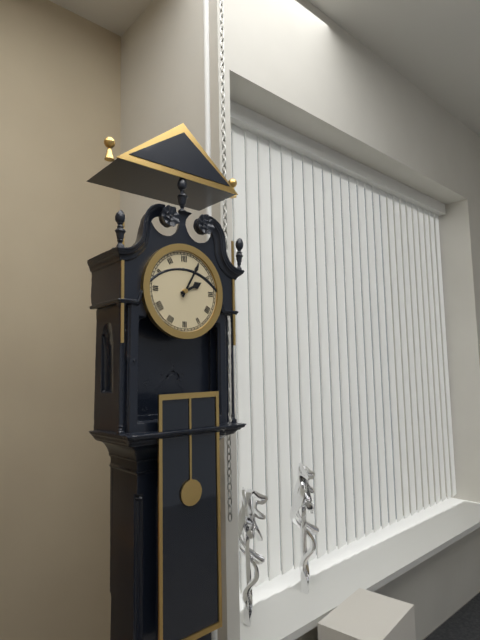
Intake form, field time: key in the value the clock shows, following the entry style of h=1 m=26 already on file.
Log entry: h=2 m=5
